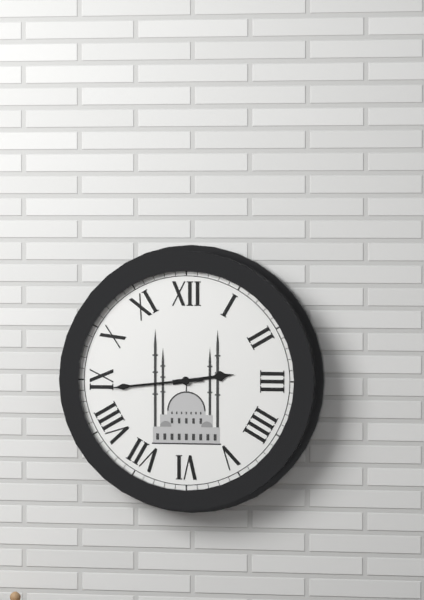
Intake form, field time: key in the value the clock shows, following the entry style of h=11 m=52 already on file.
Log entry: h=2 m=44
